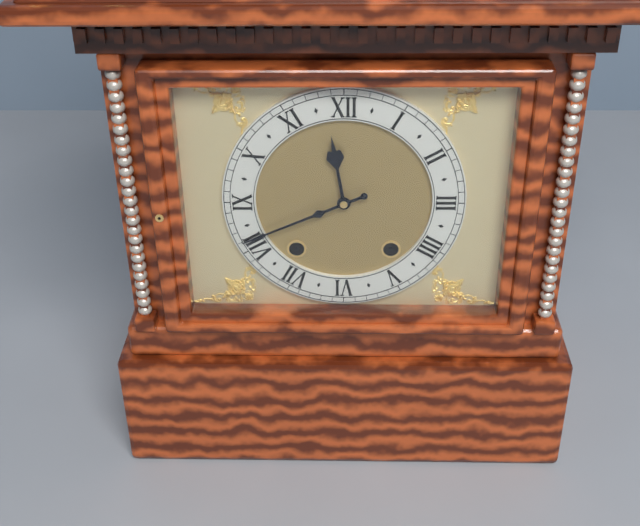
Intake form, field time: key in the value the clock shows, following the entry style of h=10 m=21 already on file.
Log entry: h=11 m=41
